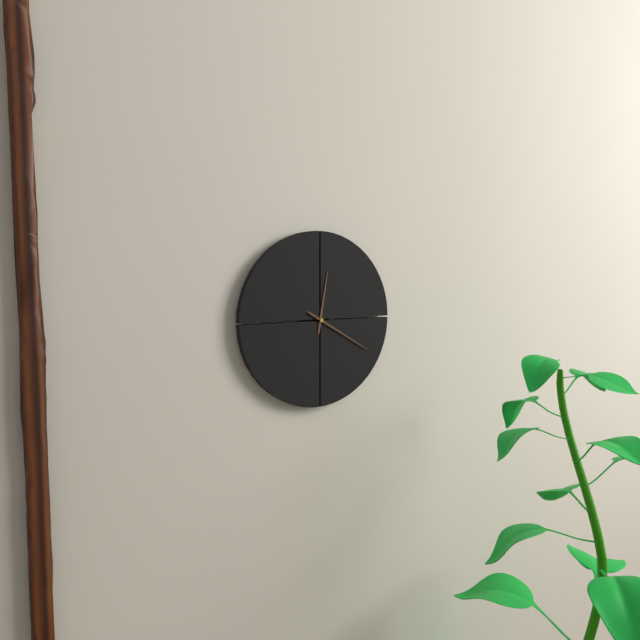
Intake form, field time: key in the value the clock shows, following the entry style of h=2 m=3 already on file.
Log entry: h=12 m=20
